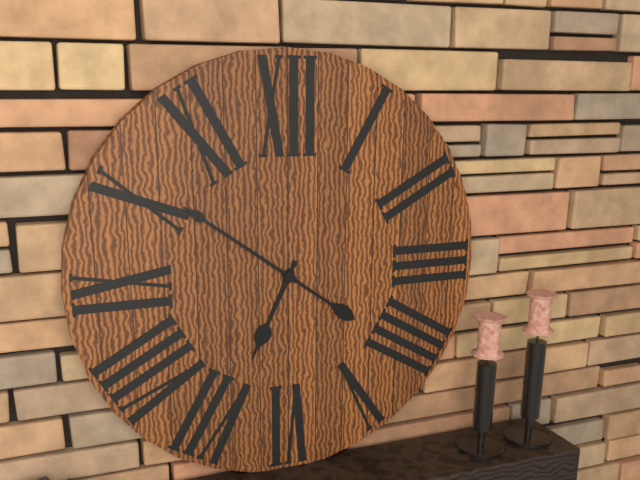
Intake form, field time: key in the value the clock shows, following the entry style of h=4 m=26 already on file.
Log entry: h=6 m=51
